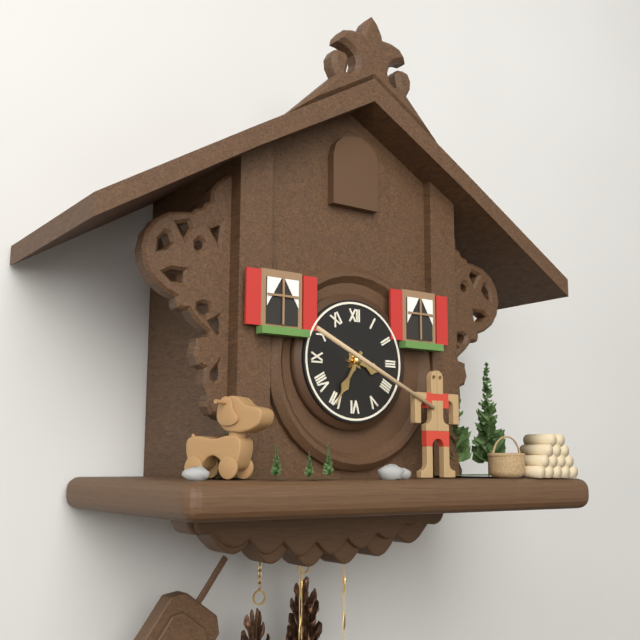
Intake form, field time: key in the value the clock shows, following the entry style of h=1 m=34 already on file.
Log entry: h=3 m=35
